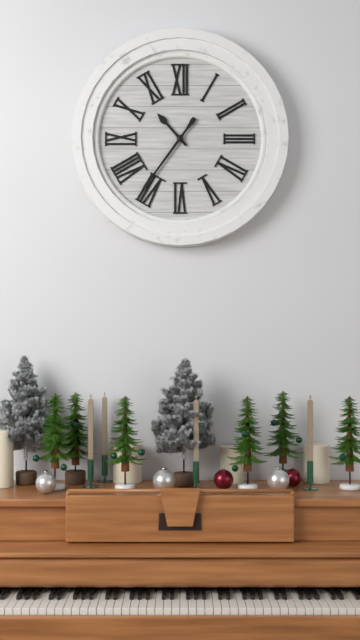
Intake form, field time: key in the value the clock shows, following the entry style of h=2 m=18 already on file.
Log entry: h=10 m=36
